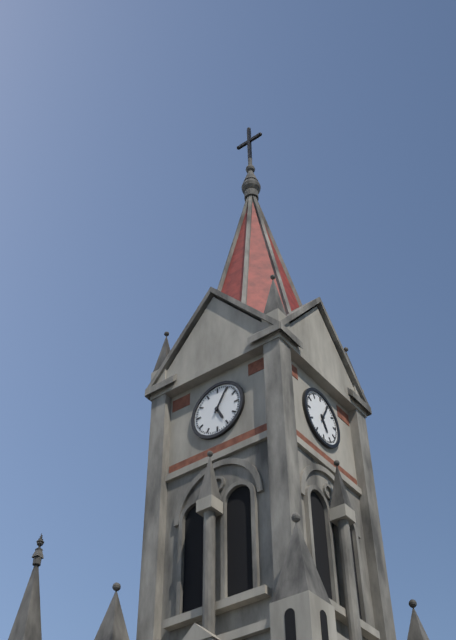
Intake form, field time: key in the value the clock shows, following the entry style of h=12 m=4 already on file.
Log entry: h=5 m=5
